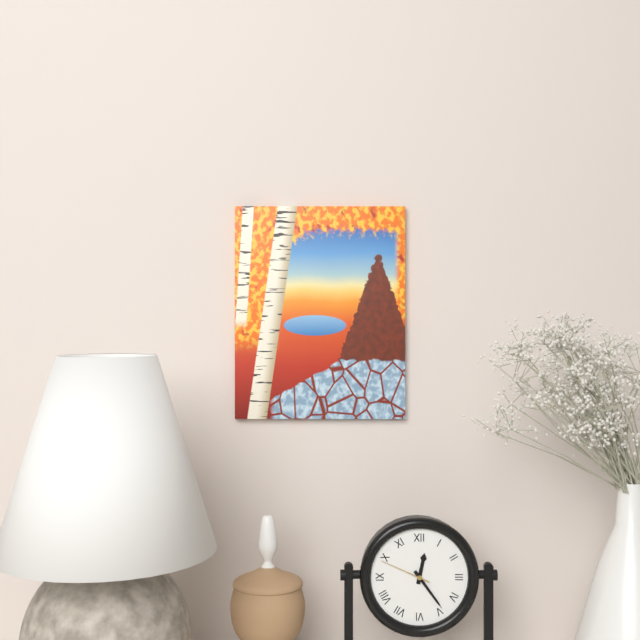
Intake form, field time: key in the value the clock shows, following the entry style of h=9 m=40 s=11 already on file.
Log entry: h=12 m=24 s=49
